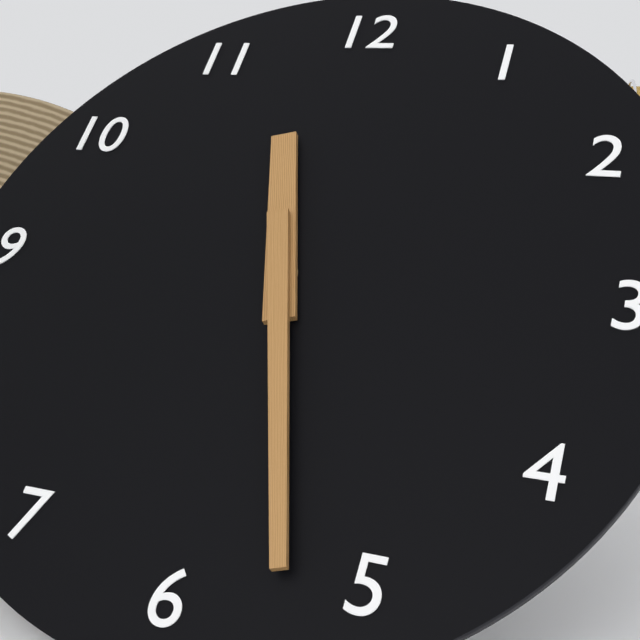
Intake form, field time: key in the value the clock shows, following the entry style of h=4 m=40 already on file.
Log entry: h=11 m=27
